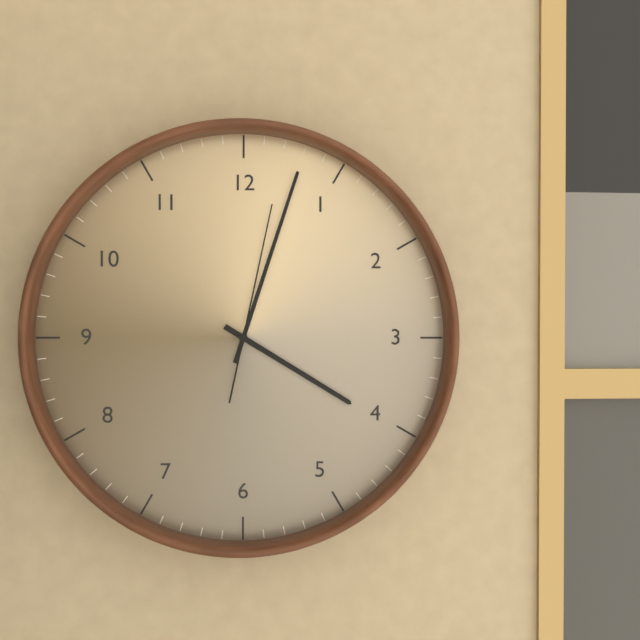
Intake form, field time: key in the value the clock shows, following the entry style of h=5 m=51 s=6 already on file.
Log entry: h=4 m=3 s=2
